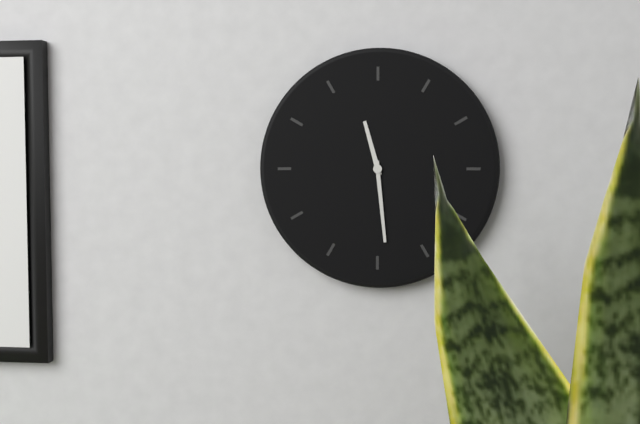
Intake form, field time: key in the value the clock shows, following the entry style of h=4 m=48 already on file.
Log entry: h=11 m=29
